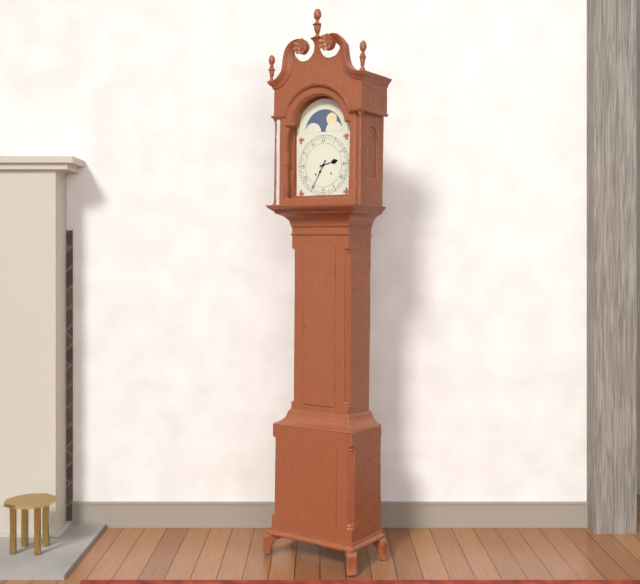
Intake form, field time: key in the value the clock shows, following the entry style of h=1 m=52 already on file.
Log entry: h=2 m=35
